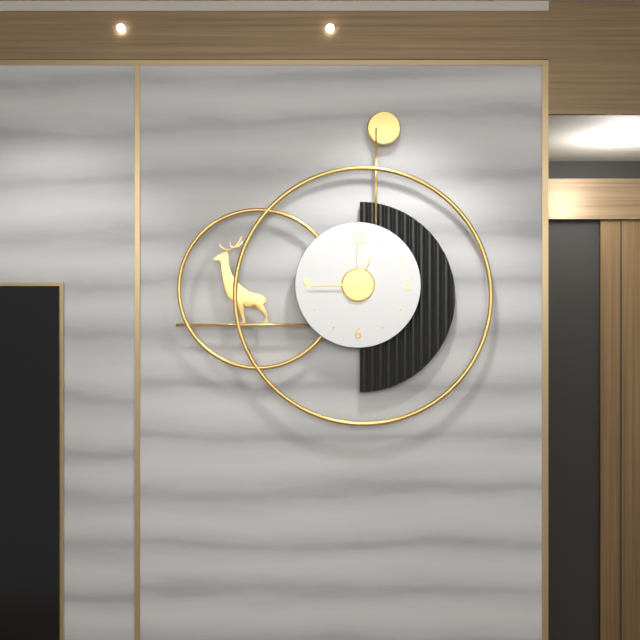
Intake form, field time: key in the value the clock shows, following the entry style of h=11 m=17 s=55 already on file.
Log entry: h=12 m=45 s=0
